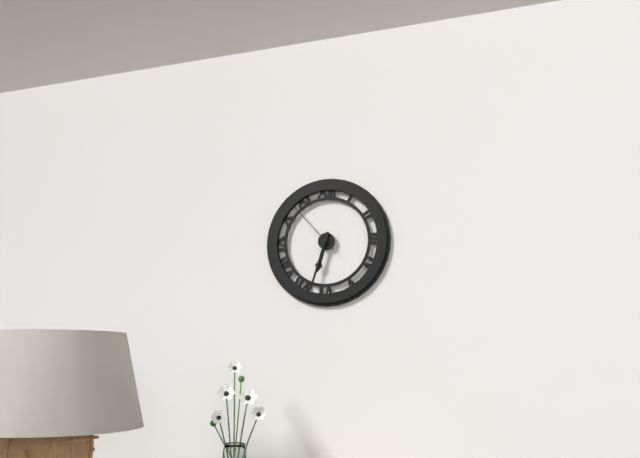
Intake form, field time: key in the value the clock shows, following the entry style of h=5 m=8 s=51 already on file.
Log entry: h=6 m=33 s=53
